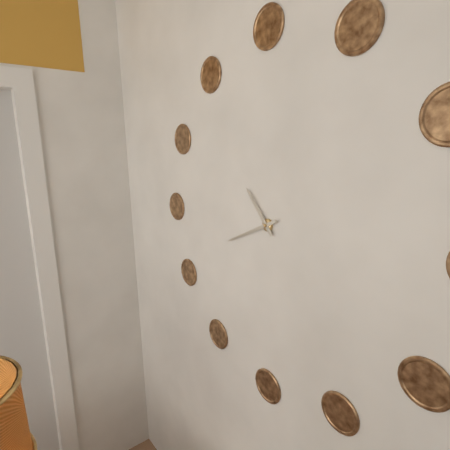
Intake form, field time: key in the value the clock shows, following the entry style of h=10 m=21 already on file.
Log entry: h=10 m=41
